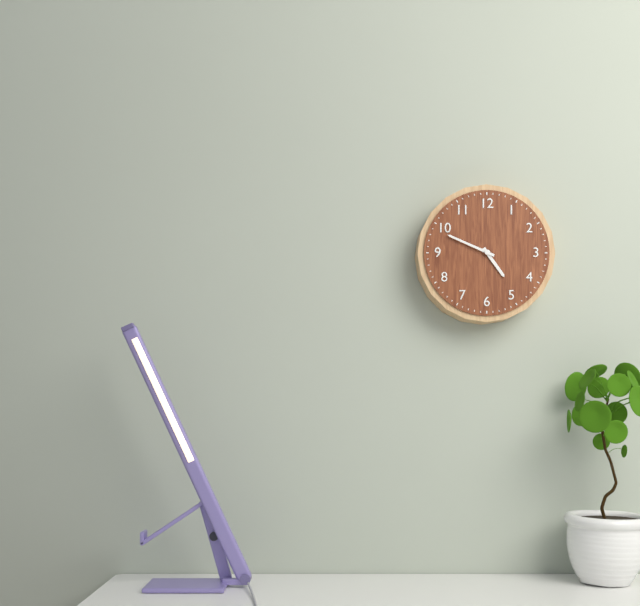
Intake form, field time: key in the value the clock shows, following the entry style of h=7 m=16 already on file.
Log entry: h=4 m=49
